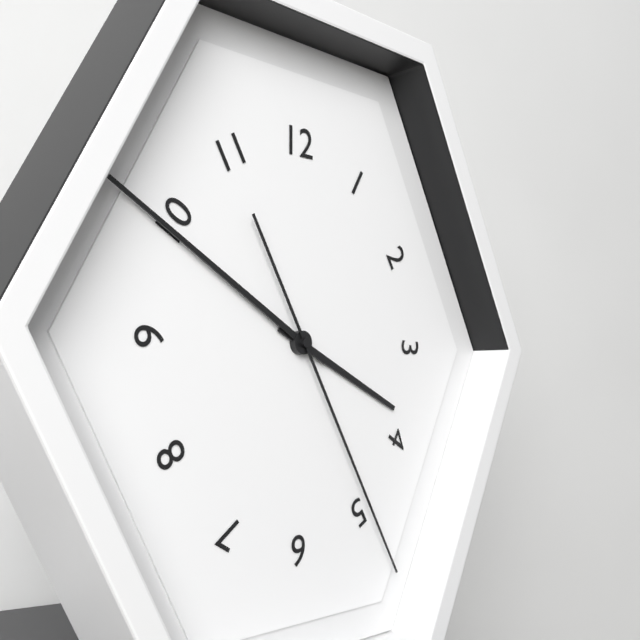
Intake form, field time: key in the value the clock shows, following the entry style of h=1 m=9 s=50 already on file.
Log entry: h=3 m=50 s=25
